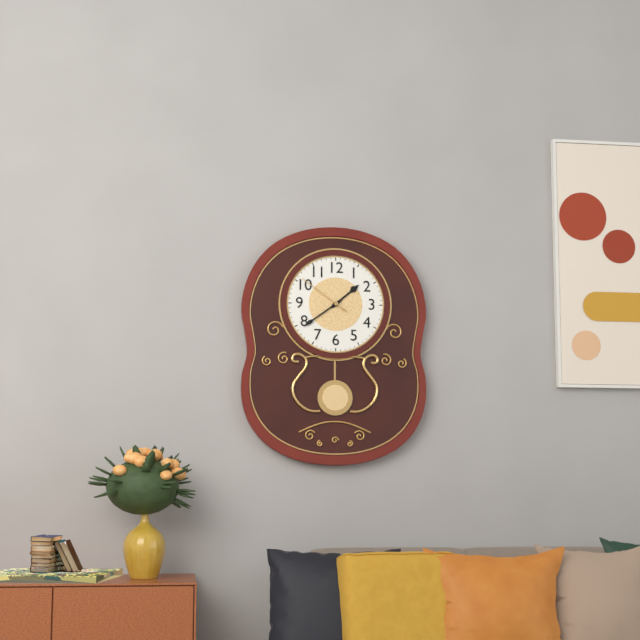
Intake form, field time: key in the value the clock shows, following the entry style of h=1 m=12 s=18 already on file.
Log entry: h=1 m=39 s=51
